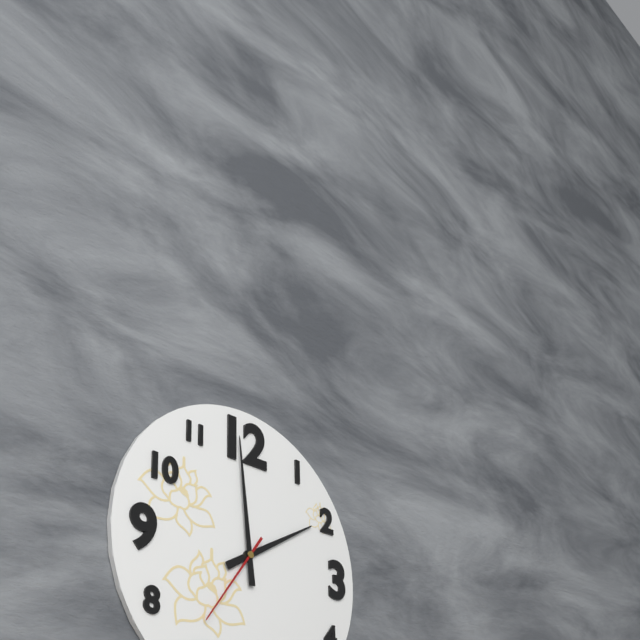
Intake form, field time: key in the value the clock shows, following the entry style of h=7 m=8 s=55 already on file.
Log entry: h=1 m=59 s=36
